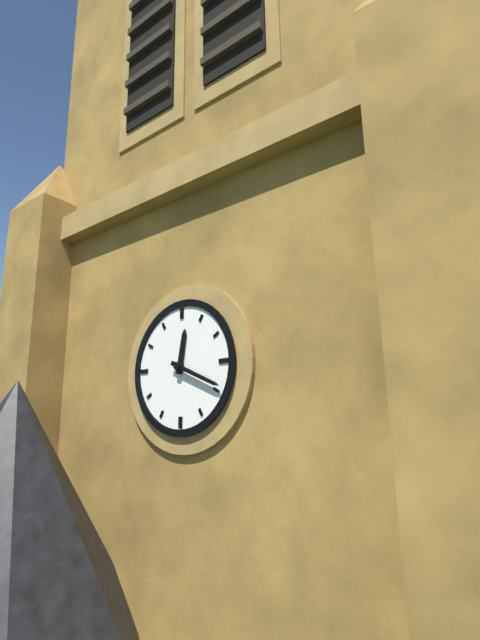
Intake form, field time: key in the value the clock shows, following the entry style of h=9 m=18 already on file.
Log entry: h=12 m=19
